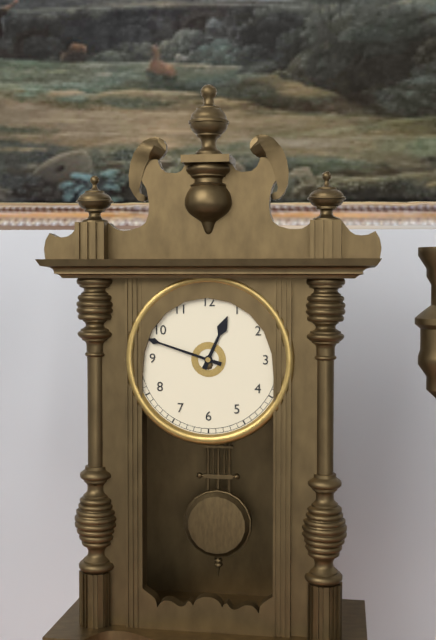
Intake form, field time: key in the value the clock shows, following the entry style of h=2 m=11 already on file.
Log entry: h=12 m=48
